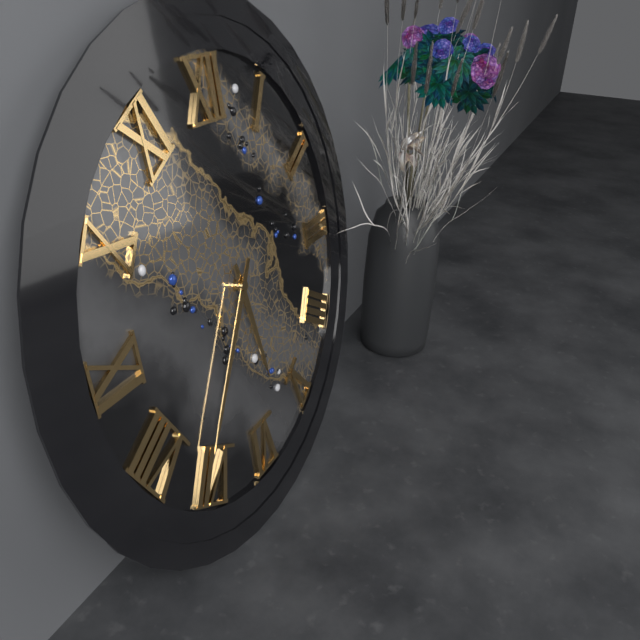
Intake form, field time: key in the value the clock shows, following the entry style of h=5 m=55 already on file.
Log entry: h=5 m=36
